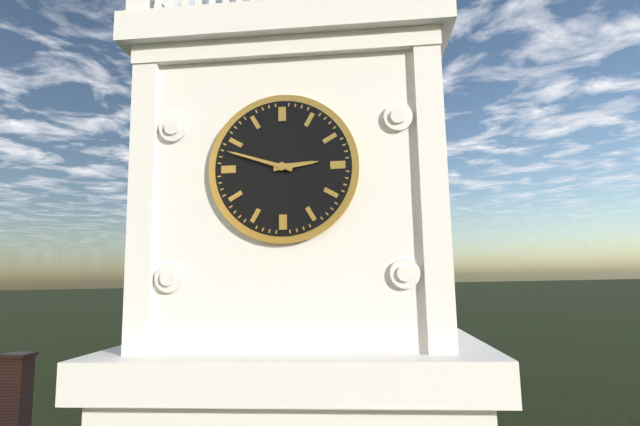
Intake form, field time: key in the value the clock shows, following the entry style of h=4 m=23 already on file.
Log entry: h=2 m=48
